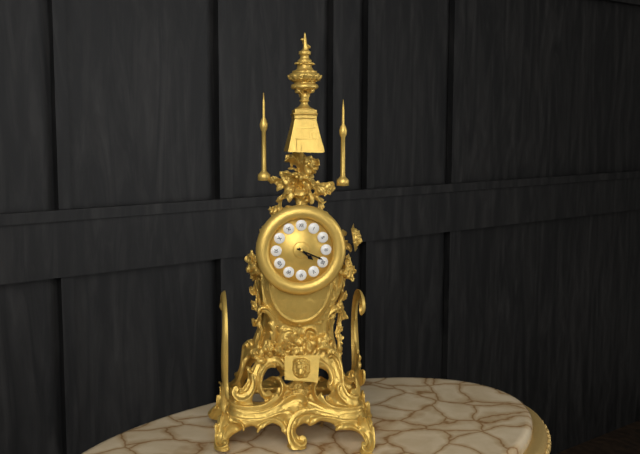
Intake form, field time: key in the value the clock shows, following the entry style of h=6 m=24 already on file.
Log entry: h=4 m=19
